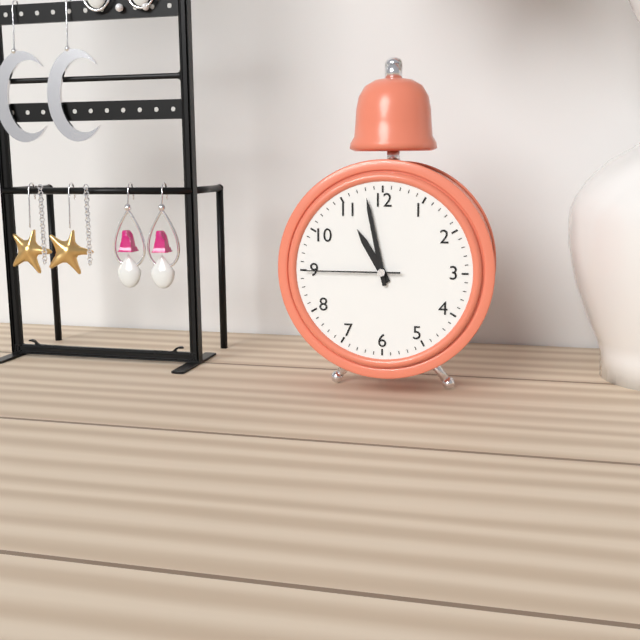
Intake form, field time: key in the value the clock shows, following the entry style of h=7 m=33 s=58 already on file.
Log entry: h=10 m=58 s=45
